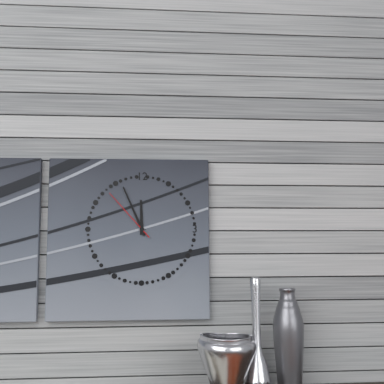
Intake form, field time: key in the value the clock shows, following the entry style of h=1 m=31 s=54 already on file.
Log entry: h=11 m=56 s=53
